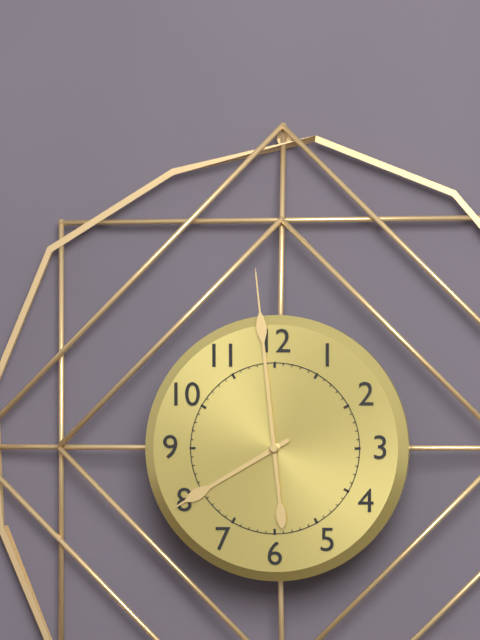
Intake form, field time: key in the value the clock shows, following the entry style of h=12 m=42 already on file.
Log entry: h=7 m=59
